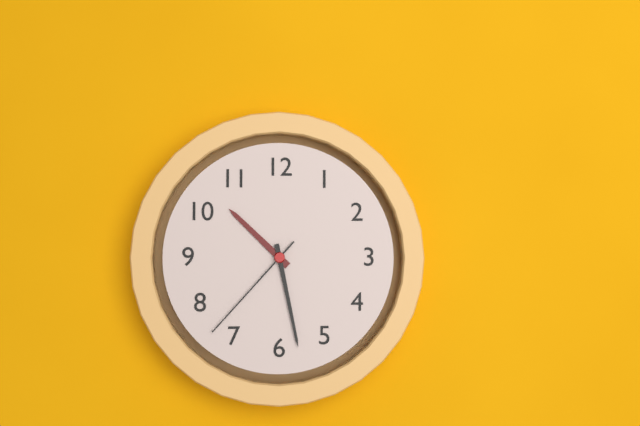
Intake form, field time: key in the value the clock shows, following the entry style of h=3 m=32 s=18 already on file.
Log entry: h=10 m=28 s=37
